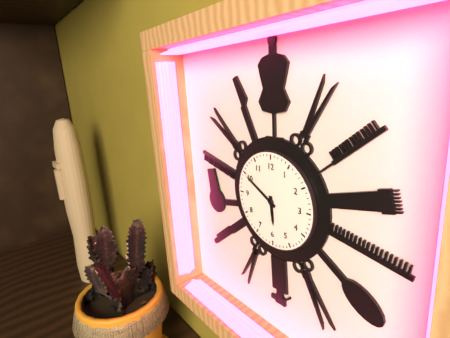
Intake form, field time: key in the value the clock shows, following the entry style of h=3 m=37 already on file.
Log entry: h=5 m=50
